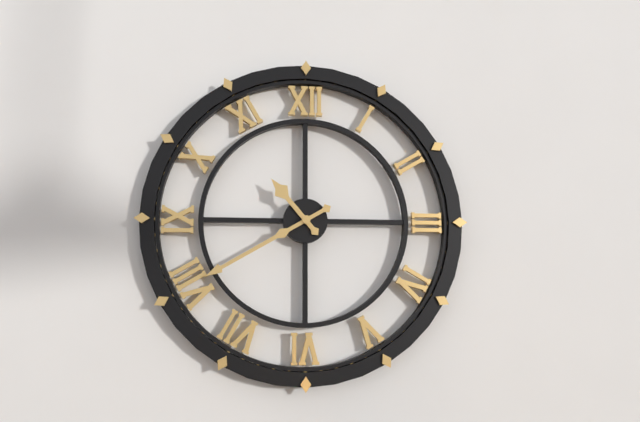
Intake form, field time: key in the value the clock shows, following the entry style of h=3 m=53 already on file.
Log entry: h=10 m=40
